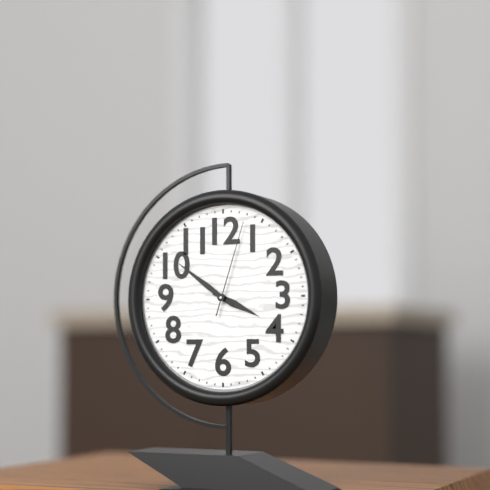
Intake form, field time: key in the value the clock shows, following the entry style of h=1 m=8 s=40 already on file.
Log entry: h=3 m=51 s=3
